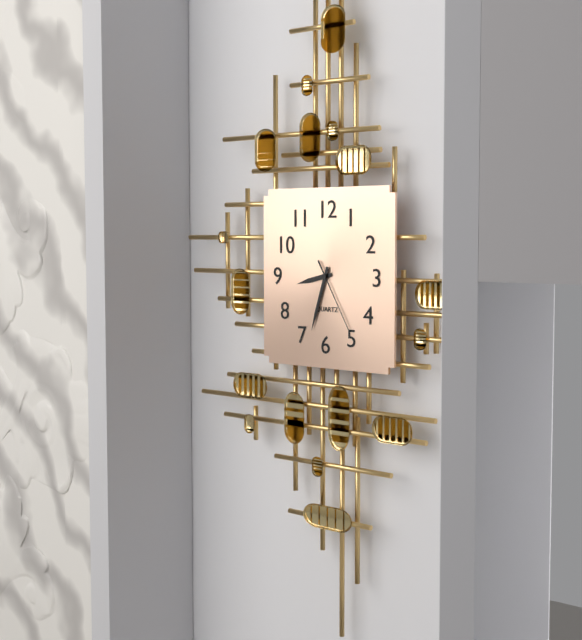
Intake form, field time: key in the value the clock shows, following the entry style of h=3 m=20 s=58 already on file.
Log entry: h=8 m=33 s=25
